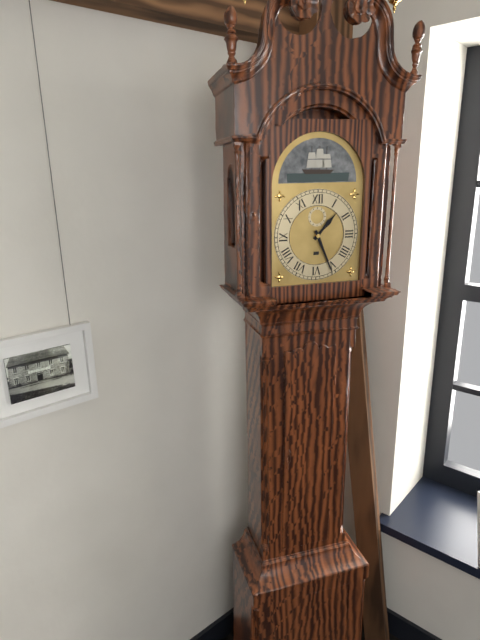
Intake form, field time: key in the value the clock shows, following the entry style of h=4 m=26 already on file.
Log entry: h=1 m=26
